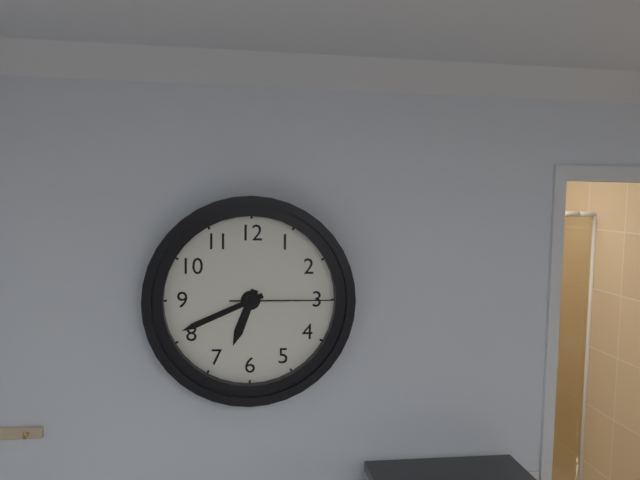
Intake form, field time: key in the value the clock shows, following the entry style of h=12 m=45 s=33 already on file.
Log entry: h=6 m=41 s=15
